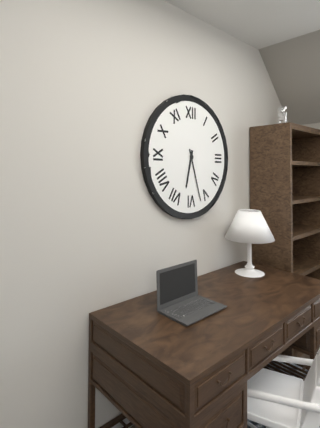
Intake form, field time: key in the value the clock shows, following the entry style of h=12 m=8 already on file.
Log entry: h=6 m=27
